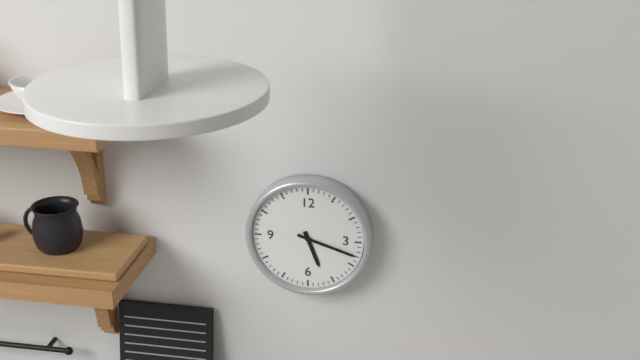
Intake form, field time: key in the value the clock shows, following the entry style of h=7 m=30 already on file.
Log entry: h=5 m=18
